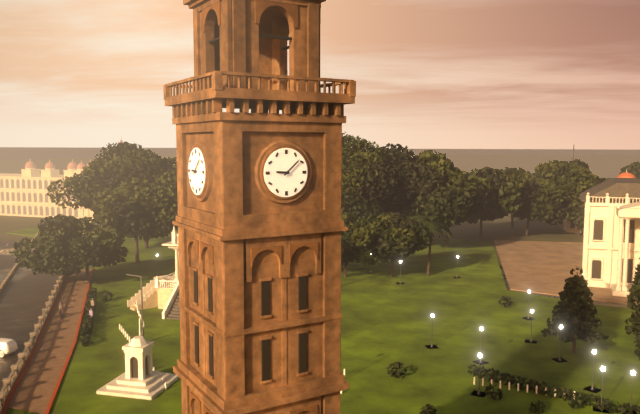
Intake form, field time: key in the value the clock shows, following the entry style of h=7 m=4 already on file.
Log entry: h=9 m=8
